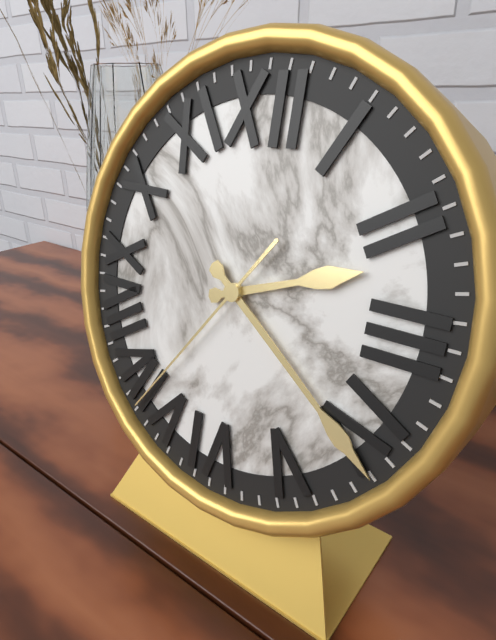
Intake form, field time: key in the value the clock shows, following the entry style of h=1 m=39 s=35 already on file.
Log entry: h=2 m=21 s=36
